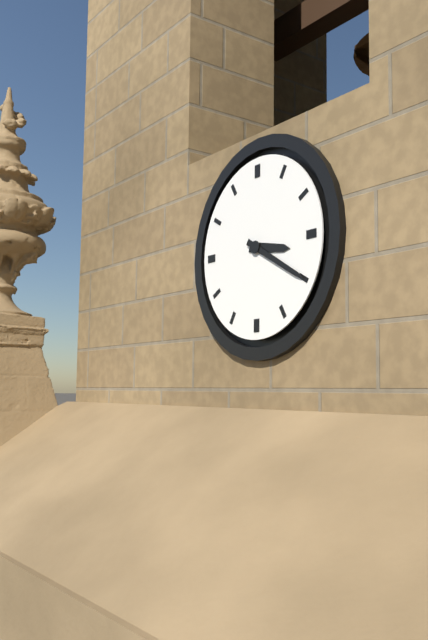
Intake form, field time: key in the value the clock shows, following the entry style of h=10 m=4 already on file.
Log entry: h=3 m=20
